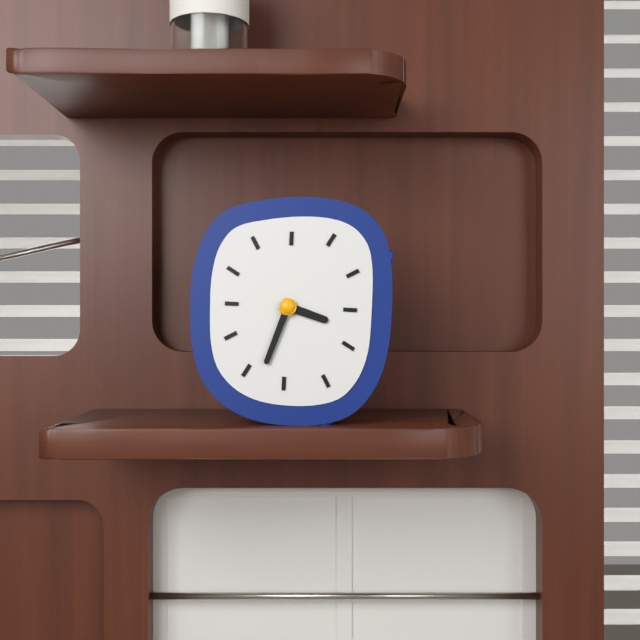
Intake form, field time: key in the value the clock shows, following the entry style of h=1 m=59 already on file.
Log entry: h=3 m=33
